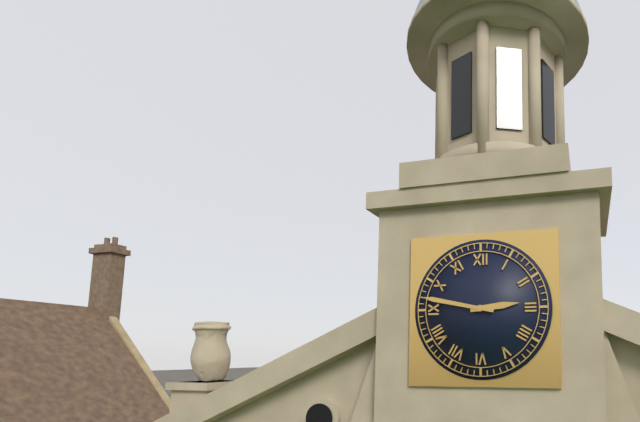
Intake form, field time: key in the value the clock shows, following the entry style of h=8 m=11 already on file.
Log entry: h=2 m=47
